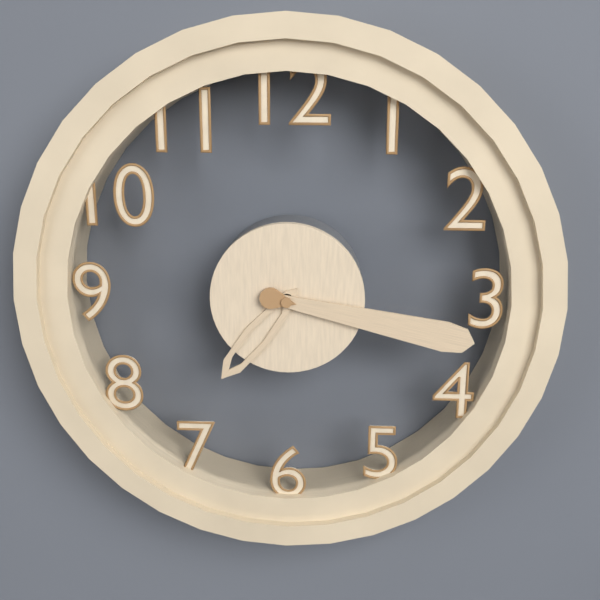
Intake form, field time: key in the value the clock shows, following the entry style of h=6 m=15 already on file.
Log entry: h=7 m=17
